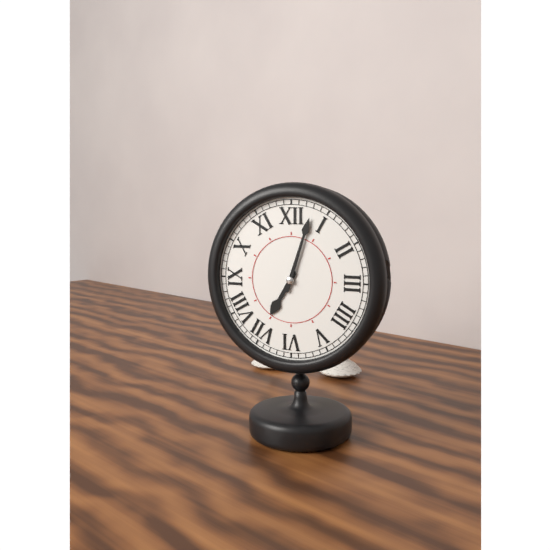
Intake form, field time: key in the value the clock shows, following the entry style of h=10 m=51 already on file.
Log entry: h=7 m=3
